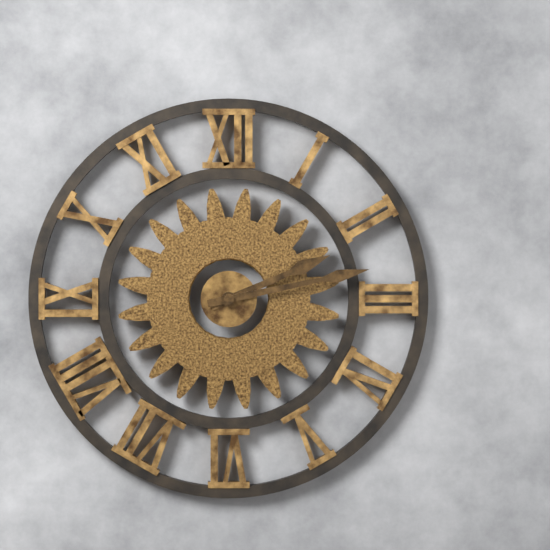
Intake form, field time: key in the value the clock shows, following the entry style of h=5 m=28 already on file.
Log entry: h=2 m=13
